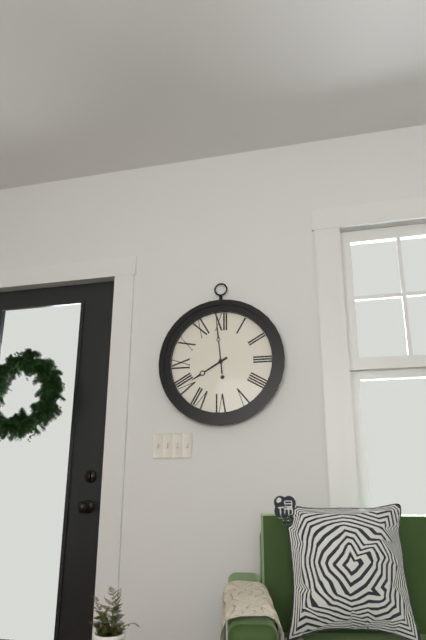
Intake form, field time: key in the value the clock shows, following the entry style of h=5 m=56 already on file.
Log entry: h=7 m=59
